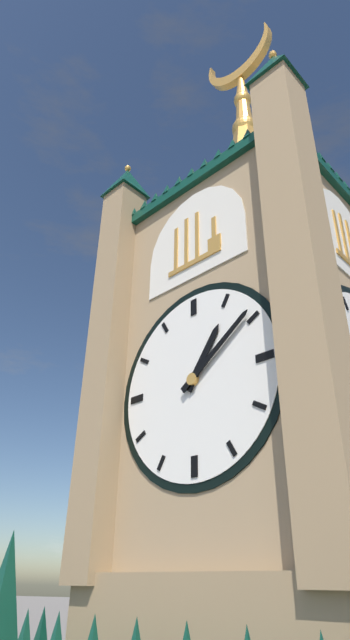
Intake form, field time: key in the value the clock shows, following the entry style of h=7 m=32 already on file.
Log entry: h=1 m=9
